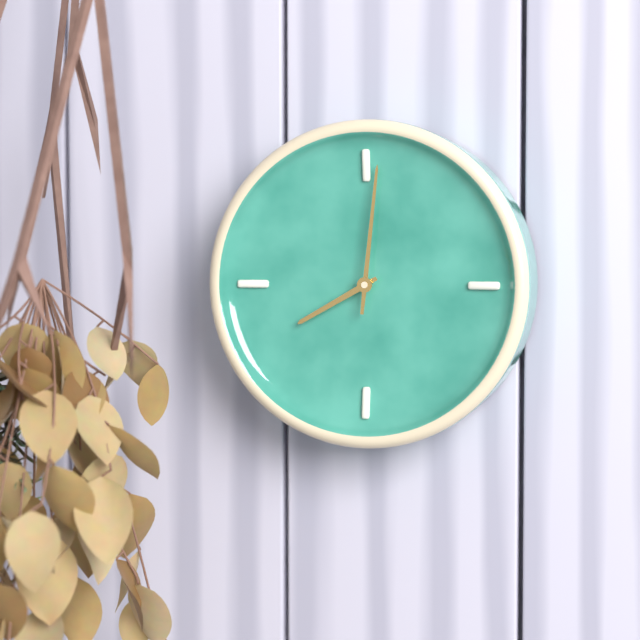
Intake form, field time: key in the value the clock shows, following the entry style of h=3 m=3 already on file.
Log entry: h=8 m=1
